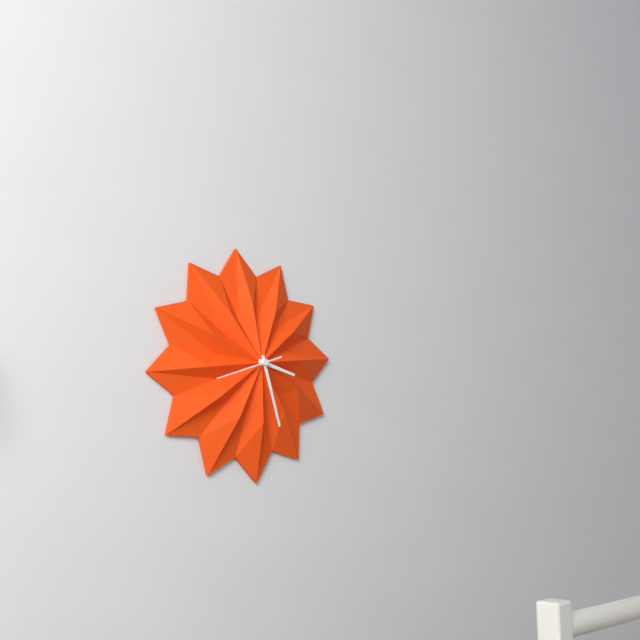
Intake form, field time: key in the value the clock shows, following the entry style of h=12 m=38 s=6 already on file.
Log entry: h=3 m=27 s=42
